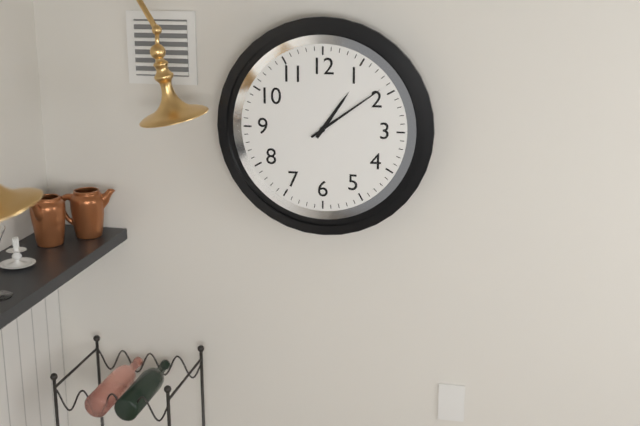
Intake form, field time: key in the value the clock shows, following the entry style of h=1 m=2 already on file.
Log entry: h=1 m=9
